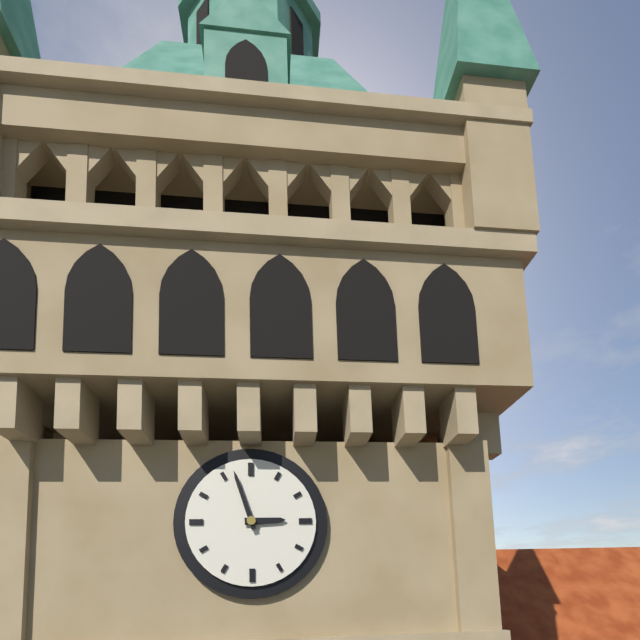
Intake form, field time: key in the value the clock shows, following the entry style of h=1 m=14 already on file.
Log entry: h=2 m=57
